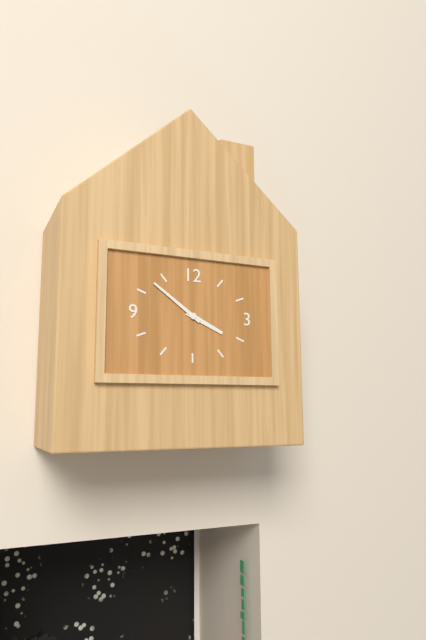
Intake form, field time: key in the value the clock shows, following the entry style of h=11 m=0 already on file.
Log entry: h=3 m=51
